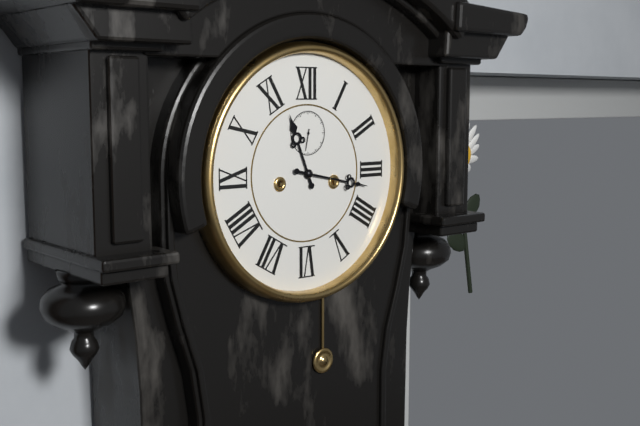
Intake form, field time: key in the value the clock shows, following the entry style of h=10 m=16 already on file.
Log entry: h=11 m=17
